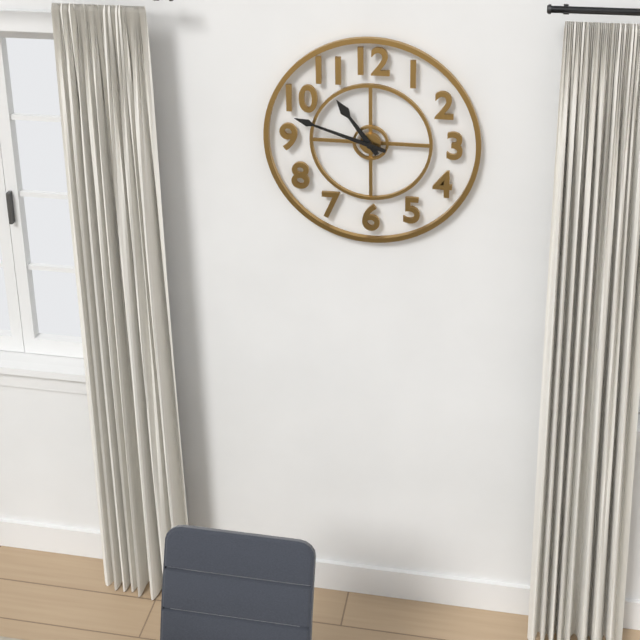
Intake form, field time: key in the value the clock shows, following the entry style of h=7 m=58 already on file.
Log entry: h=10 m=48
